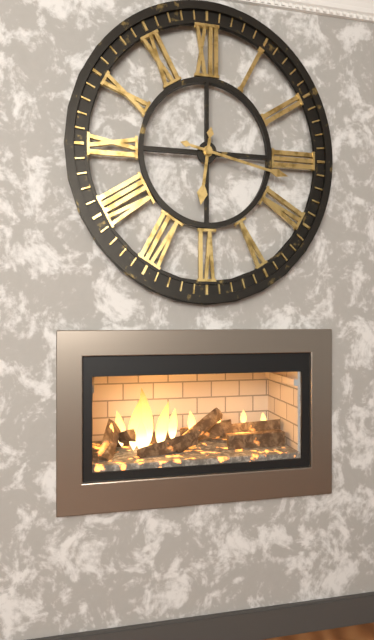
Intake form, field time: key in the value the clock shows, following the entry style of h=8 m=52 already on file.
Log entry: h=6 m=17
